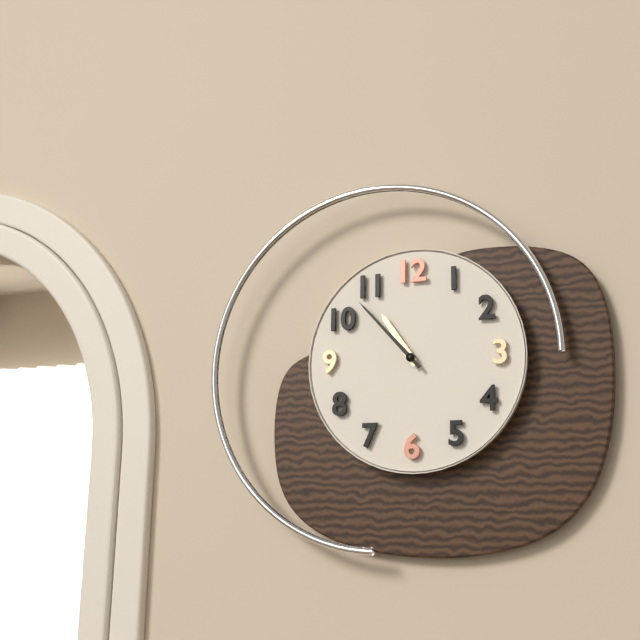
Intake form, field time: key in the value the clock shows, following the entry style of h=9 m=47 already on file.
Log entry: h=10 m=53
